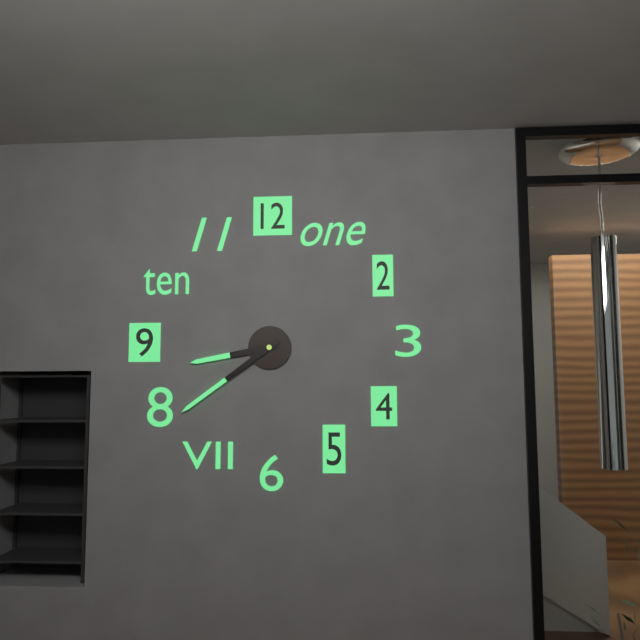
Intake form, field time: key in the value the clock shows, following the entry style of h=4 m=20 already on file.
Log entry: h=8 m=39
